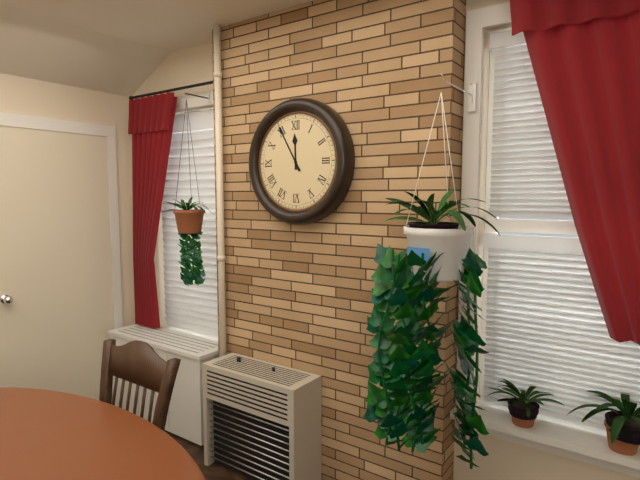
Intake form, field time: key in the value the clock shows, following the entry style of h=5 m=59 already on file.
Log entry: h=11 m=55
